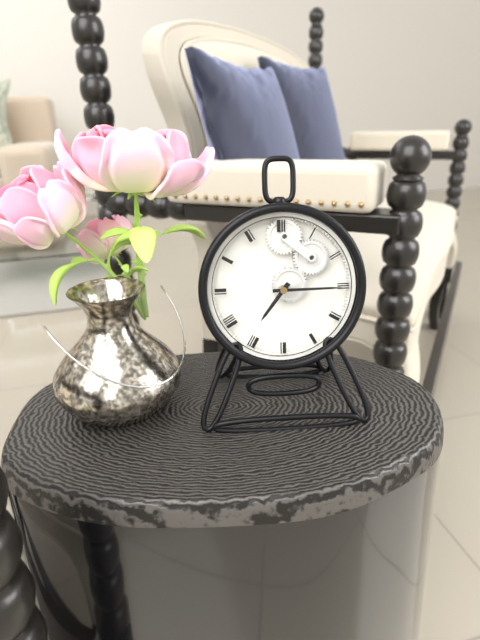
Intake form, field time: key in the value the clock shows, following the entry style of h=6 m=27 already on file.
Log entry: h=7 m=15
